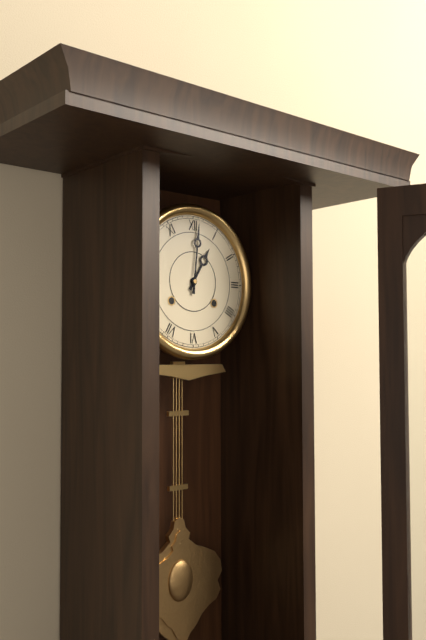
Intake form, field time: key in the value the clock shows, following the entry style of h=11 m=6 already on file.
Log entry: h=1 m=1
